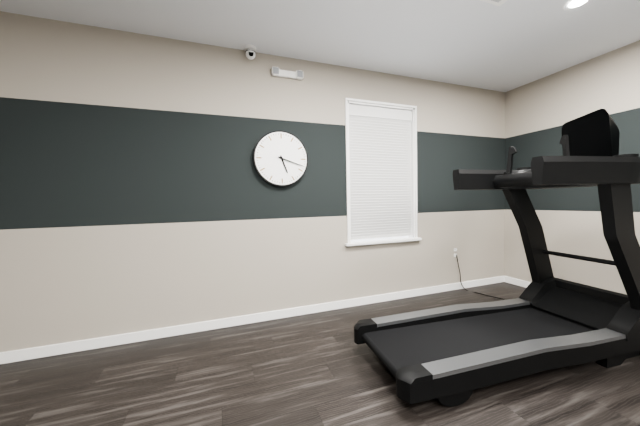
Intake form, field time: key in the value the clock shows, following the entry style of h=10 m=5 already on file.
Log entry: h=5 m=18
